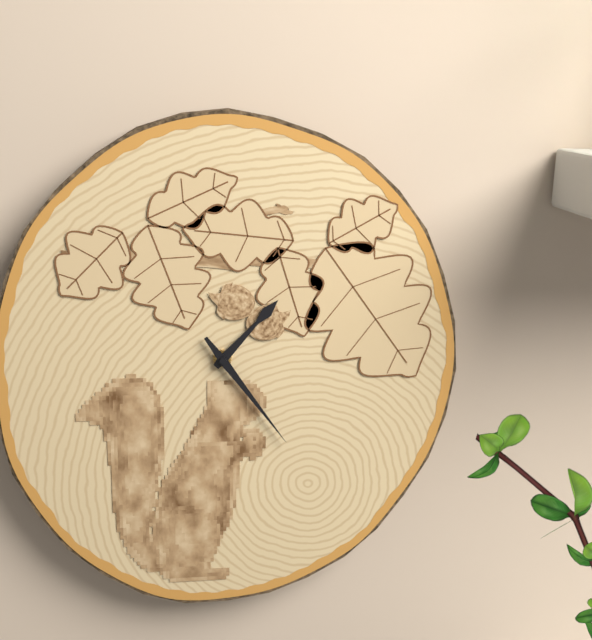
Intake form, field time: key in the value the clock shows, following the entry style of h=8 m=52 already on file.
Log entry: h=1 m=24
